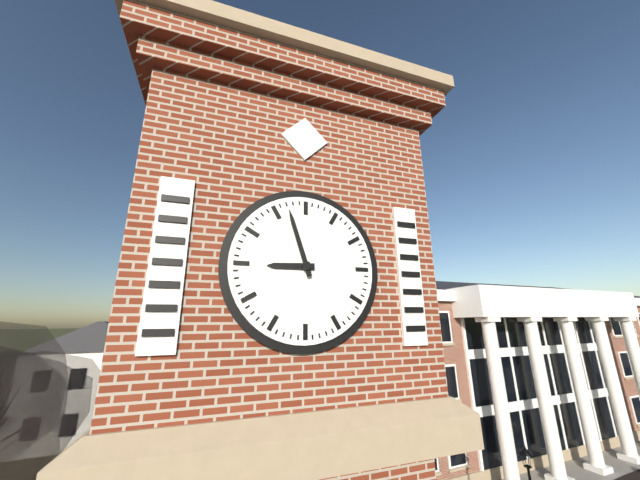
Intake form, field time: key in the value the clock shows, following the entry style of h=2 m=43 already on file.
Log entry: h=8 m=57
